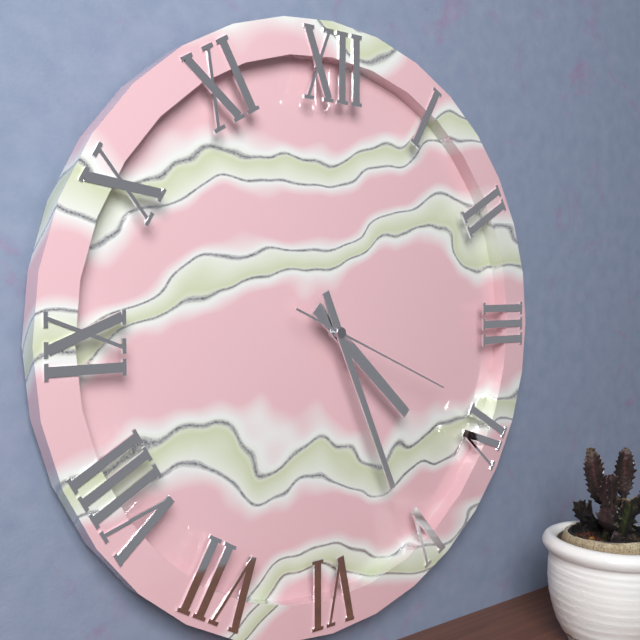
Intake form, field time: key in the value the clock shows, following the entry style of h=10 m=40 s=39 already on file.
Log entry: h=4 m=26 s=19
